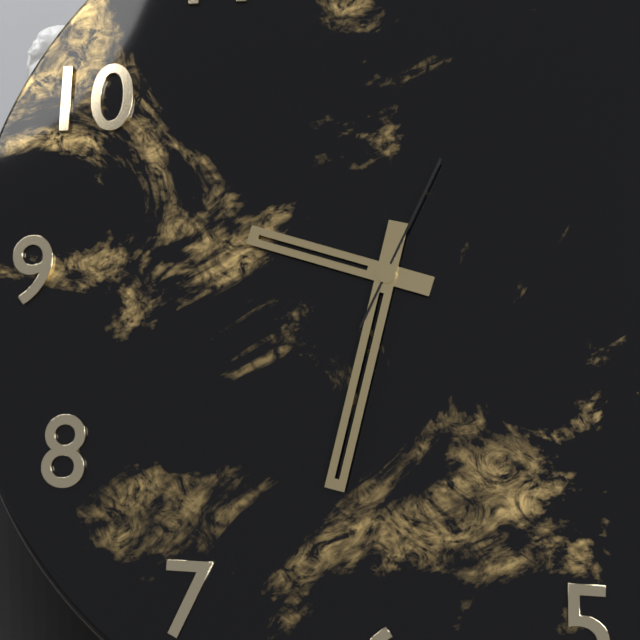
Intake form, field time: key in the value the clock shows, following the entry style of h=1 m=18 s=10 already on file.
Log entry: h=9 m=32 s=4
